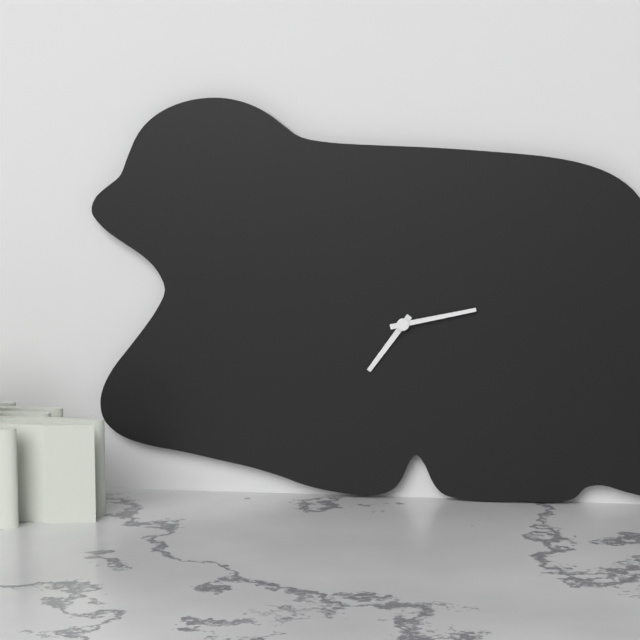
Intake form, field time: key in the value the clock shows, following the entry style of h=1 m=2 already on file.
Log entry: h=7 m=13
